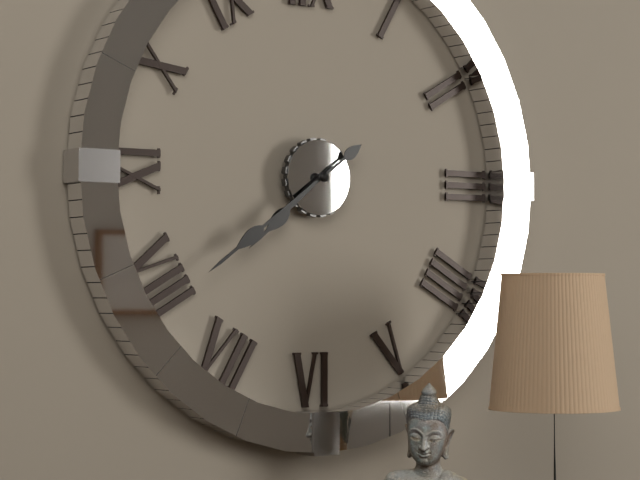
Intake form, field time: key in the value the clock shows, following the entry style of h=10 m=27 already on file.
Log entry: h=7 m=39
